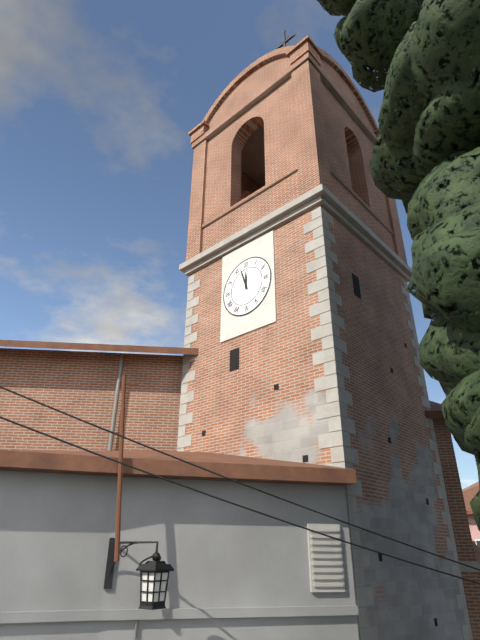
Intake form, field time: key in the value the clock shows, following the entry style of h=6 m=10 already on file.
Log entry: h=11 m=57
